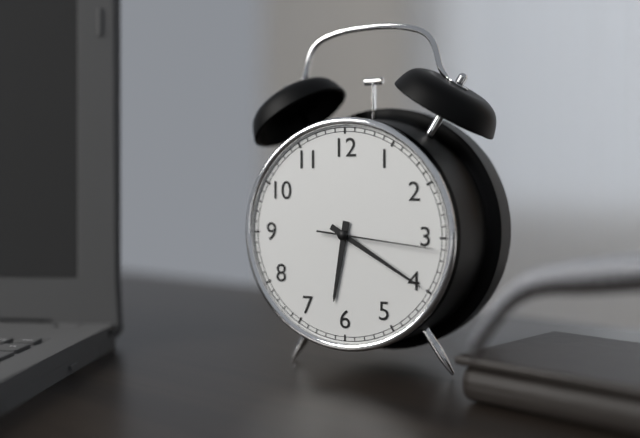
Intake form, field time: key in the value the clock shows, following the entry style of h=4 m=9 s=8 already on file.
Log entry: h=6 m=20 s=16
